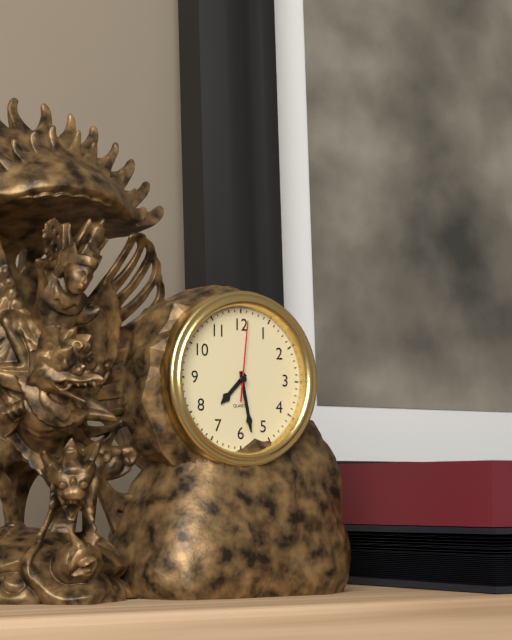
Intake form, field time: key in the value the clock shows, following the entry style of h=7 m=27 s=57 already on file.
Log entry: h=7 m=28 s=1
